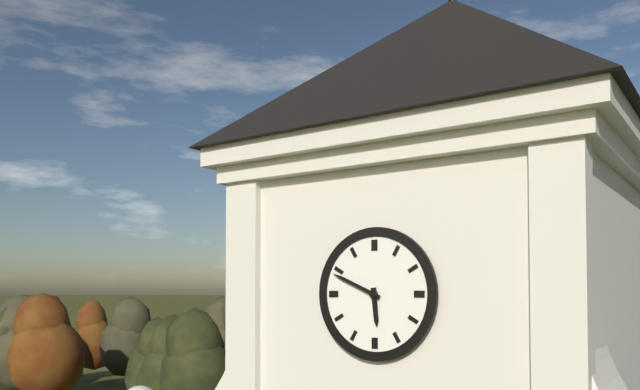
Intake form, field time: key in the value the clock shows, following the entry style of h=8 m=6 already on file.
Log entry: h=5 m=49
